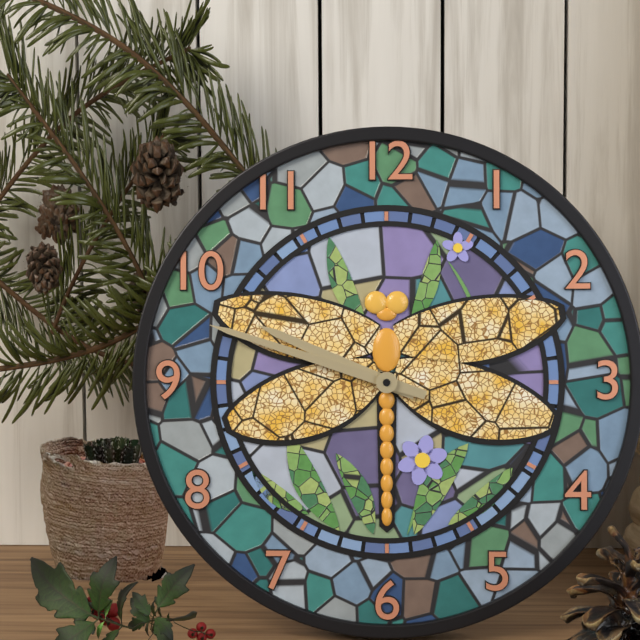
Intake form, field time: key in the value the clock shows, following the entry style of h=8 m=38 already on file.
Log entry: h=9 m=48
